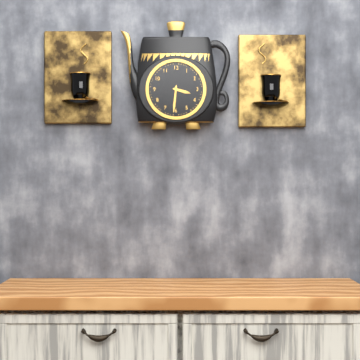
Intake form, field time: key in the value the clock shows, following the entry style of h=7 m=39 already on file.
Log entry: h=3 m=31
